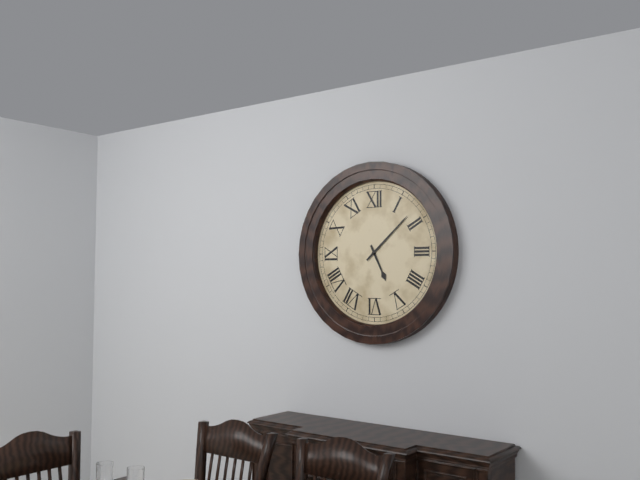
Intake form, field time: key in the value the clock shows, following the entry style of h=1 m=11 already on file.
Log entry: h=5 m=8
